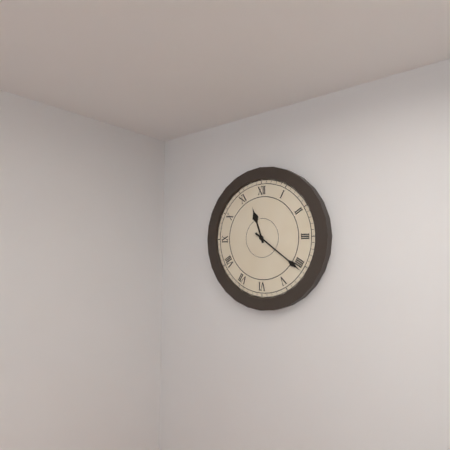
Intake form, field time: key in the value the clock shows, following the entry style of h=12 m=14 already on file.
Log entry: h=11 m=21
